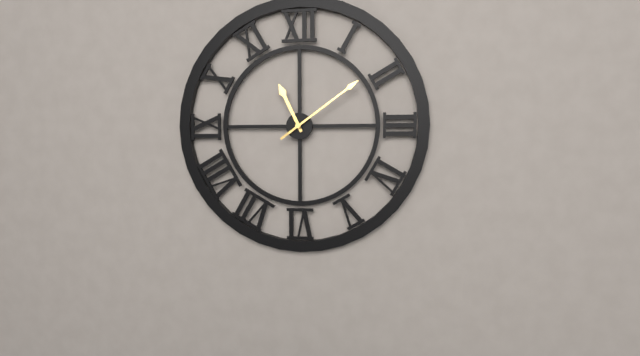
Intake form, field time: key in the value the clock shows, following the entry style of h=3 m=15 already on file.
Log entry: h=11 m=9
